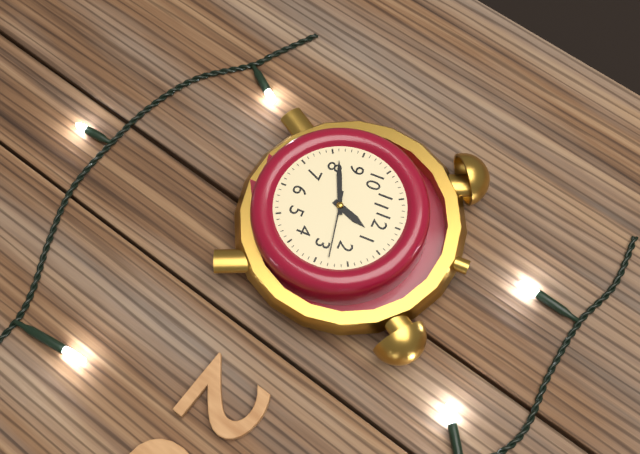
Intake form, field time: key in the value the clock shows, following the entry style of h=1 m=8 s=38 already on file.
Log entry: h=12 m=41 s=13
